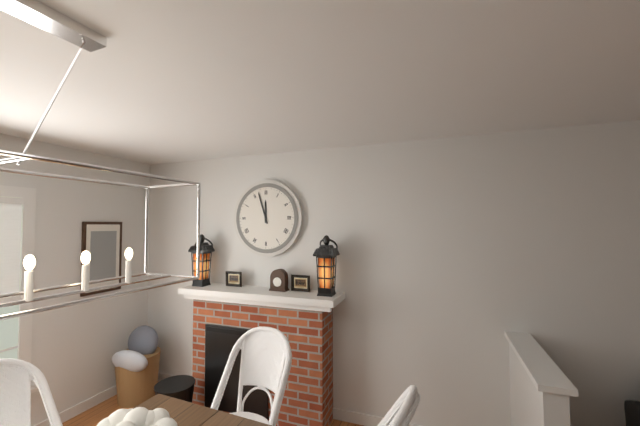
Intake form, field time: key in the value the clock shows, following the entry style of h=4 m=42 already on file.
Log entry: h=11 m=57
